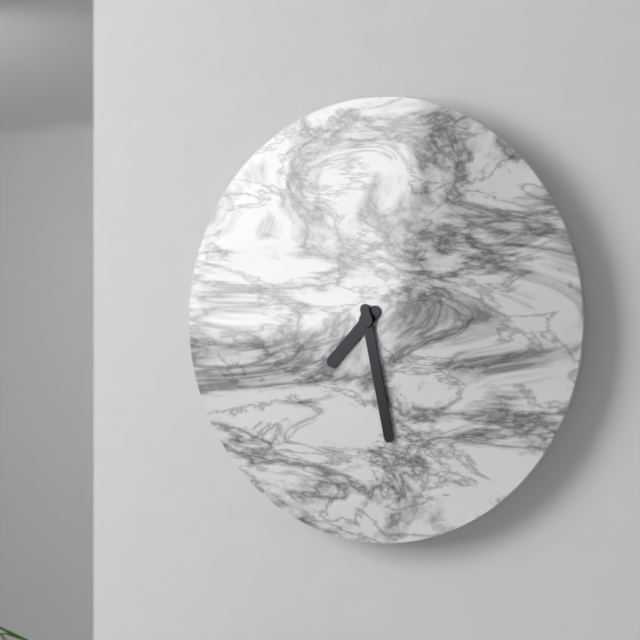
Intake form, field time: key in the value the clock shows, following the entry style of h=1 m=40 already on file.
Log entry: h=7 m=28
